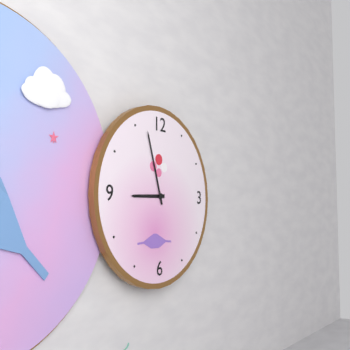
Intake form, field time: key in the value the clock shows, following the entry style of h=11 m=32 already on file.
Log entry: h=8 m=57
